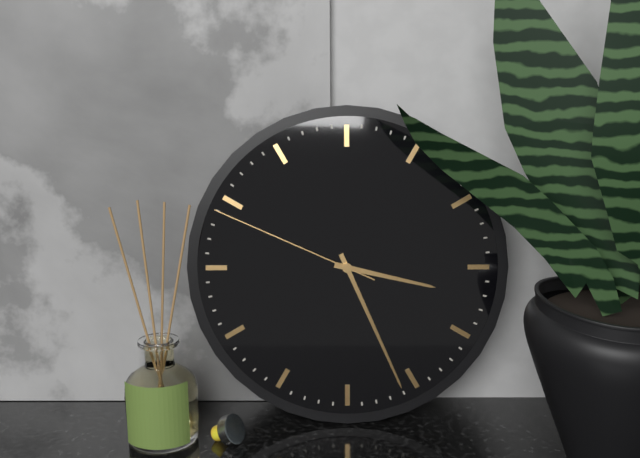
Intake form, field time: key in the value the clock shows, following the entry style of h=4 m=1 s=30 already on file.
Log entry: h=3 m=26 s=49
